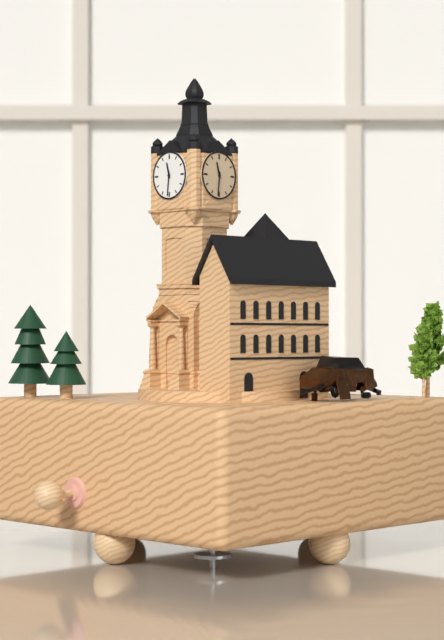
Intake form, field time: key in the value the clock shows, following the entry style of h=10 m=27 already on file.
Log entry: h=11 m=31
